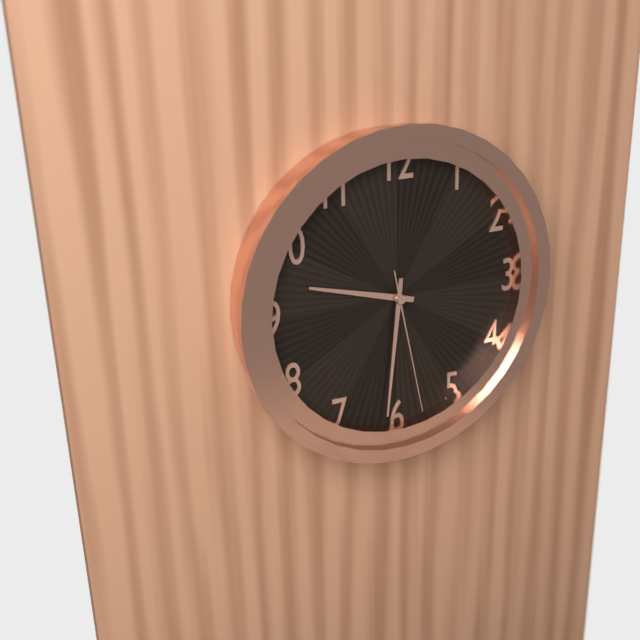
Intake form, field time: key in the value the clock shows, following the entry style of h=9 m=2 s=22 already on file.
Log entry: h=9 m=31 s=28
